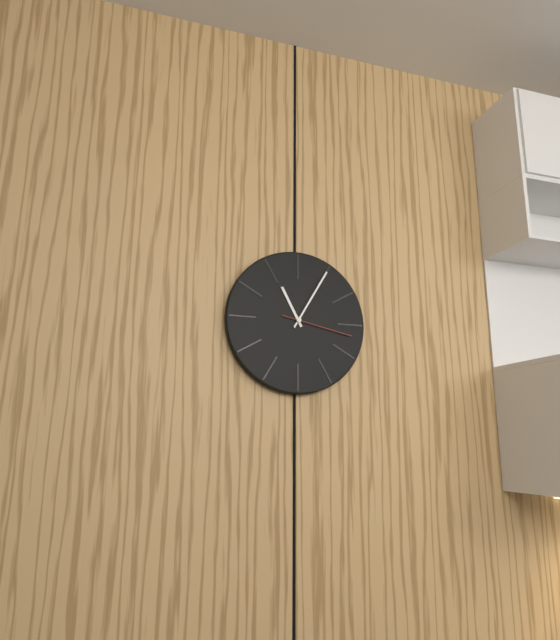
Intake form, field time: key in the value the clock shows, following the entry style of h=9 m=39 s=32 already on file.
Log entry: h=11 m=5 s=17
